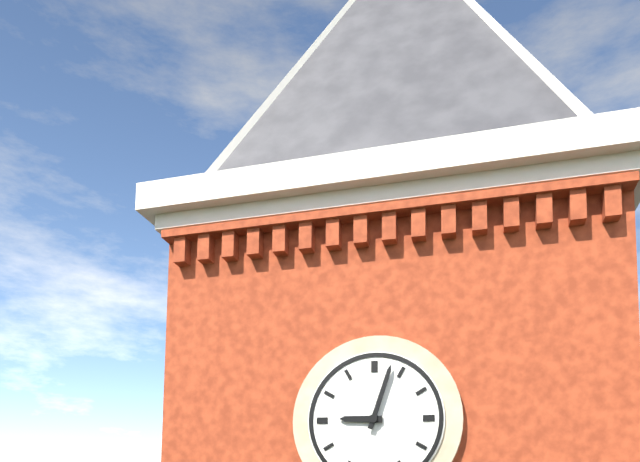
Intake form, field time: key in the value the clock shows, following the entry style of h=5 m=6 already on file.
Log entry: h=9 m=3
